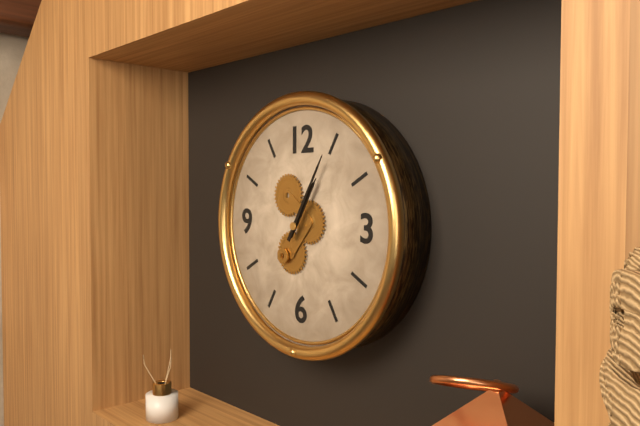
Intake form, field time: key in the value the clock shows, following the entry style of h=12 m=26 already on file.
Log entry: h=1 m=5
